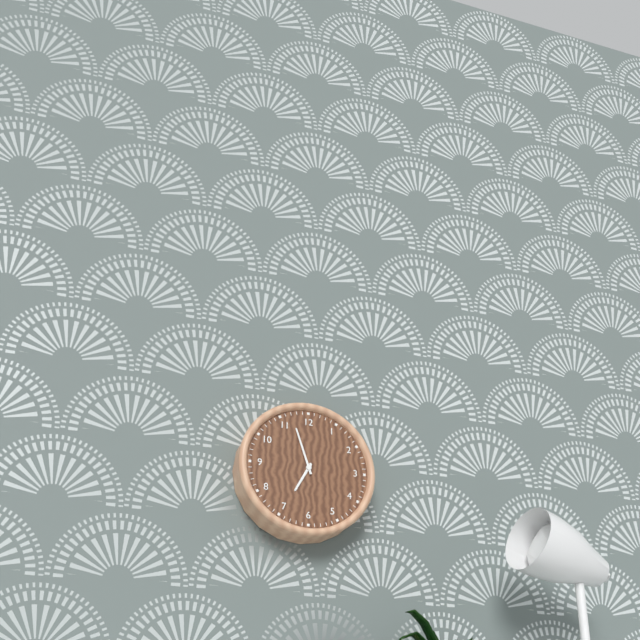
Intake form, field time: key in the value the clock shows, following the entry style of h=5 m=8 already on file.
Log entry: h=6 m=57
